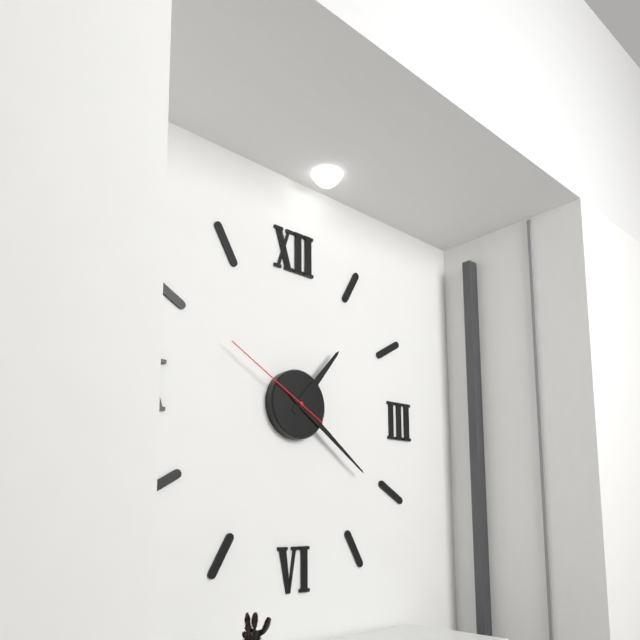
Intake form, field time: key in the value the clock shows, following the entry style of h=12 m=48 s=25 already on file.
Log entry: h=1 m=21 s=50
